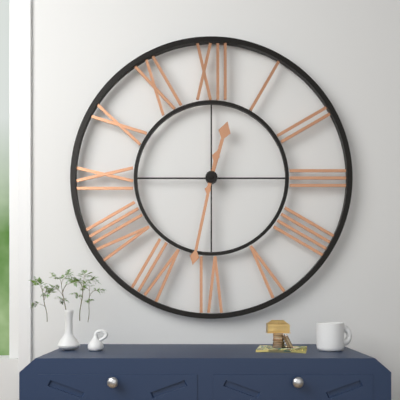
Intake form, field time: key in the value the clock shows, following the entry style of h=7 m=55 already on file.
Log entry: h=12 m=32
